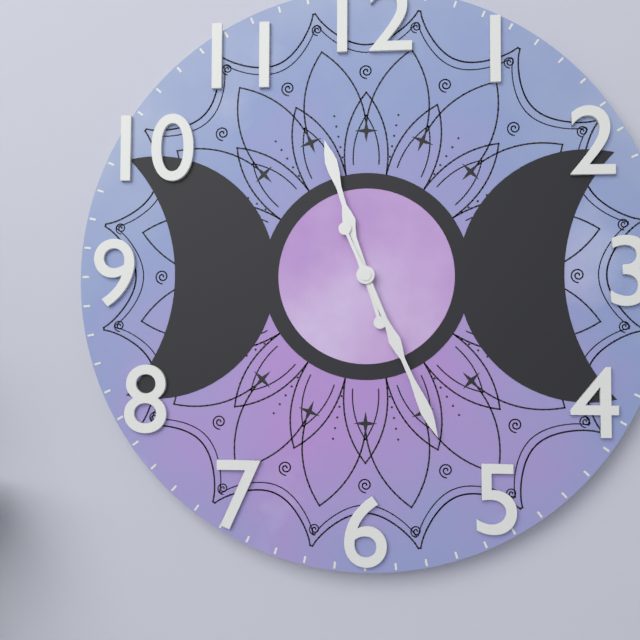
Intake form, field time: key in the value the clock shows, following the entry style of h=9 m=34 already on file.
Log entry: h=11 m=26
